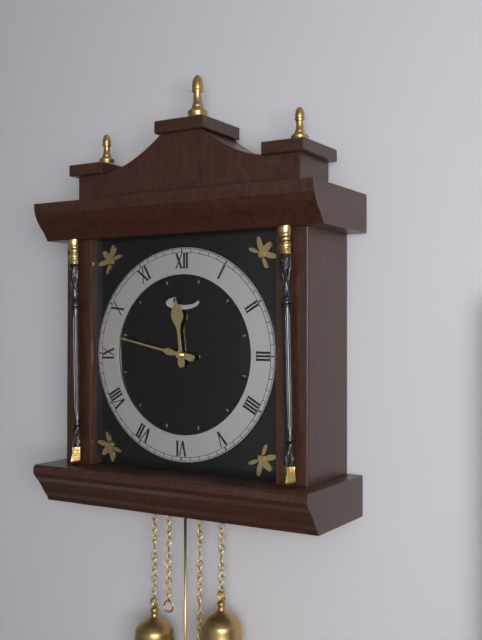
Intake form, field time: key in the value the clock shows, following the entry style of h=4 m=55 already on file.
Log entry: h=11 m=47
